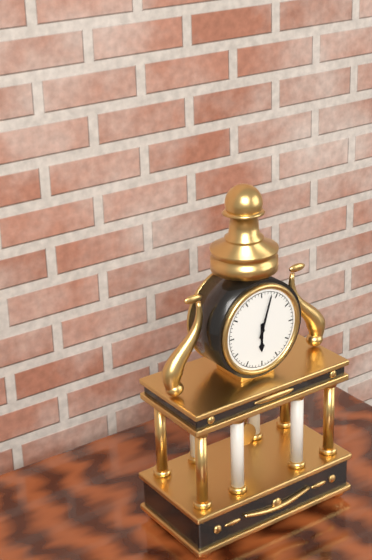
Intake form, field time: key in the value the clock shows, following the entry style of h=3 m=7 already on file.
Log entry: h=6 m=3
